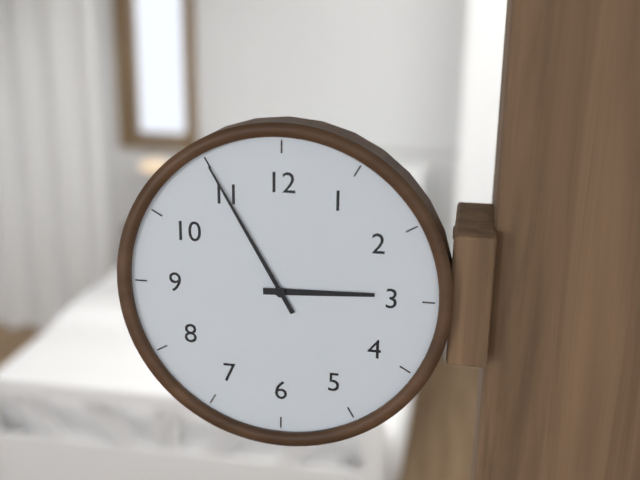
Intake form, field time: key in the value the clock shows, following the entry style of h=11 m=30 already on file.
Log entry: h=2 m=55
